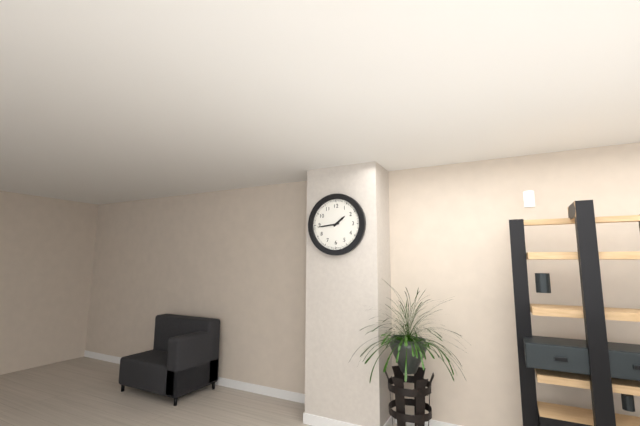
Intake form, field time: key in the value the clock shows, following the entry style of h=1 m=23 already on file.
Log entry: h=1 m=44
